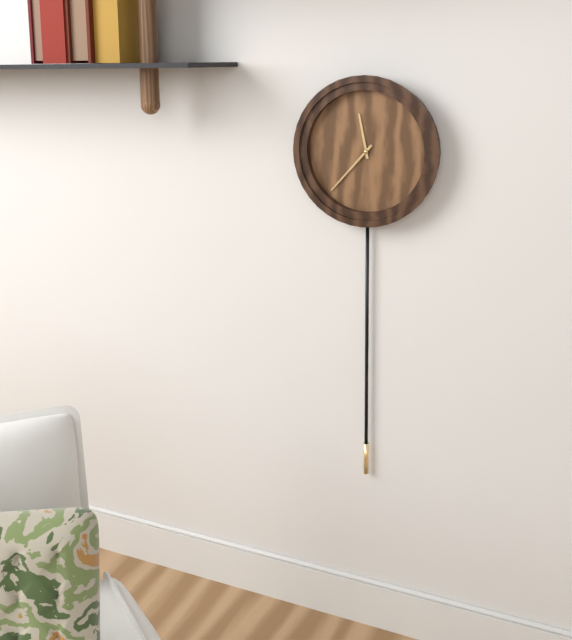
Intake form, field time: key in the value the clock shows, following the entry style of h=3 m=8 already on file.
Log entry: h=11 m=37
